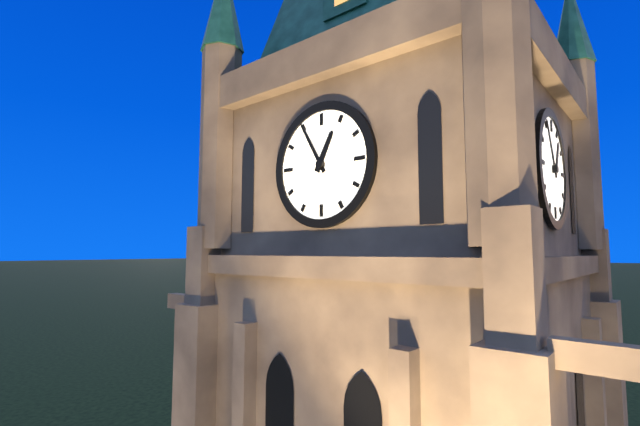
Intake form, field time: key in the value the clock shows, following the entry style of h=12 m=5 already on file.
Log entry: h=12 m=55
